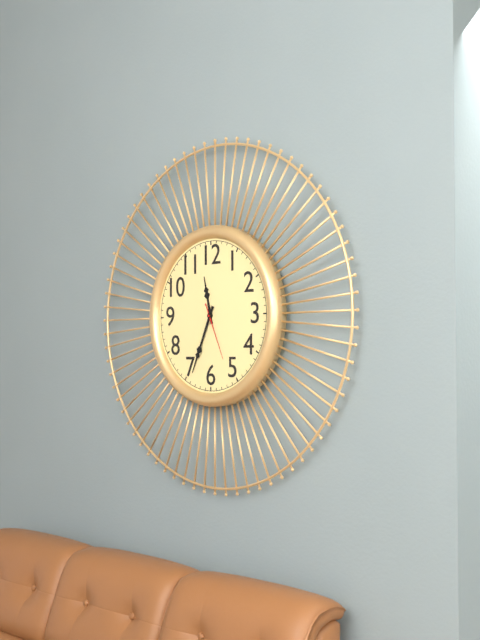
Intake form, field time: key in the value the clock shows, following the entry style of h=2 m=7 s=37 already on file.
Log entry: h=11 m=34 s=26
